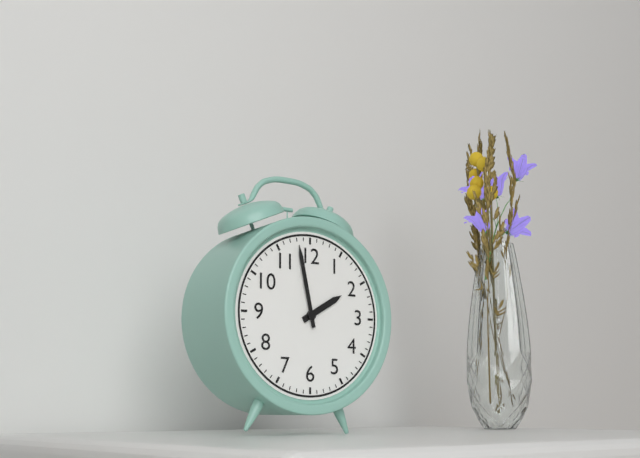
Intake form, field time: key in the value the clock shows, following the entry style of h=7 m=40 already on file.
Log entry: h=1 m=58
